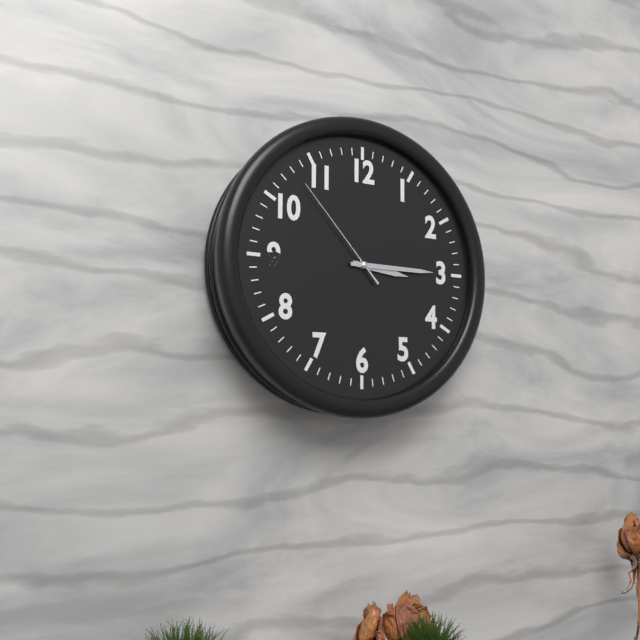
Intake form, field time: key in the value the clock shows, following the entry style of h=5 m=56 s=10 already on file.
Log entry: h=3 m=15 s=53
